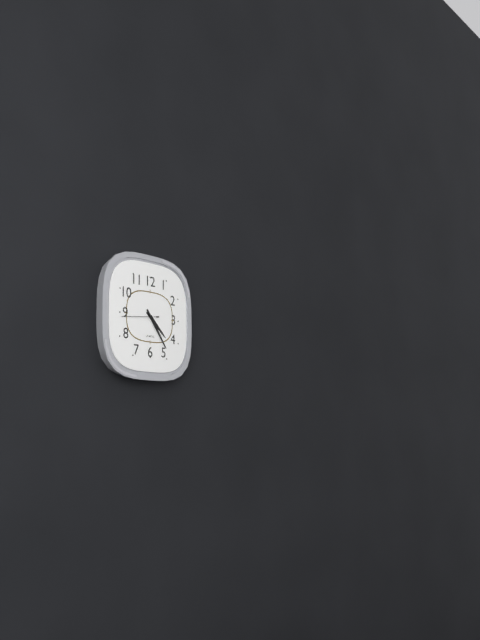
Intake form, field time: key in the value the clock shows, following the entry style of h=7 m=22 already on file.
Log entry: h=4 m=24
